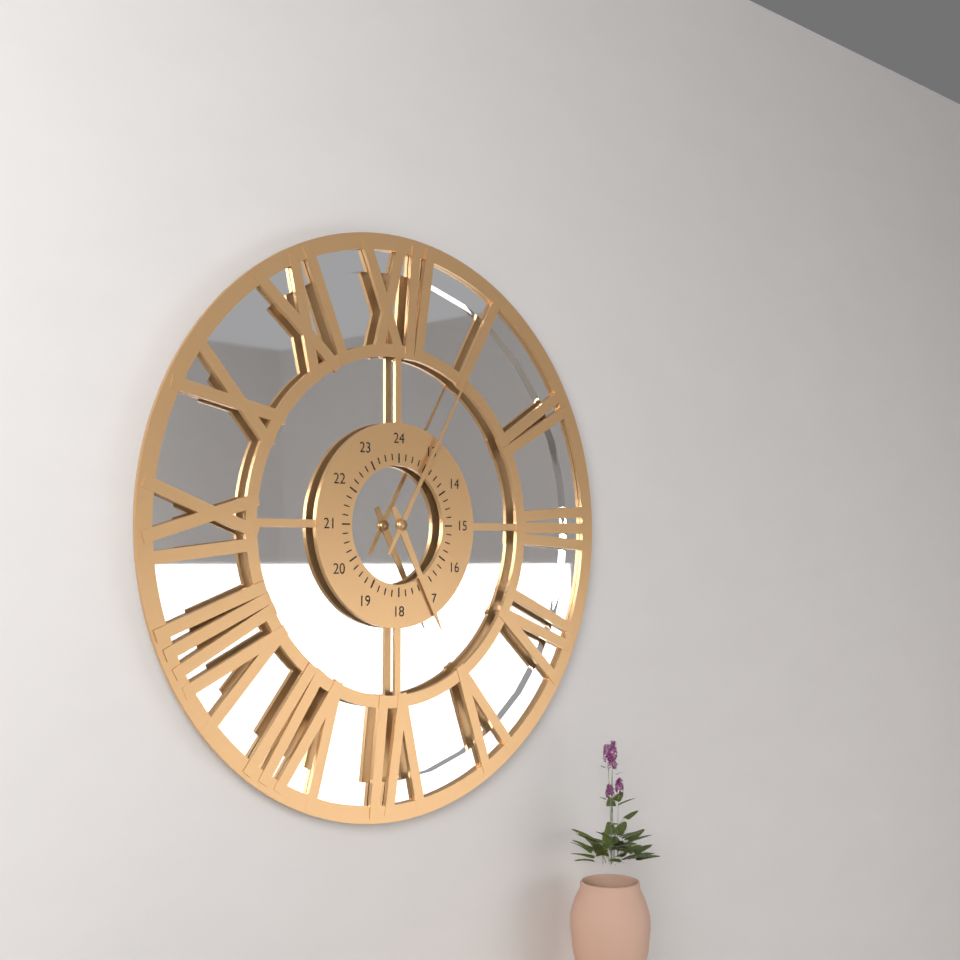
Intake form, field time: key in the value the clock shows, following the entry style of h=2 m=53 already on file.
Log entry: h=5 m=5
